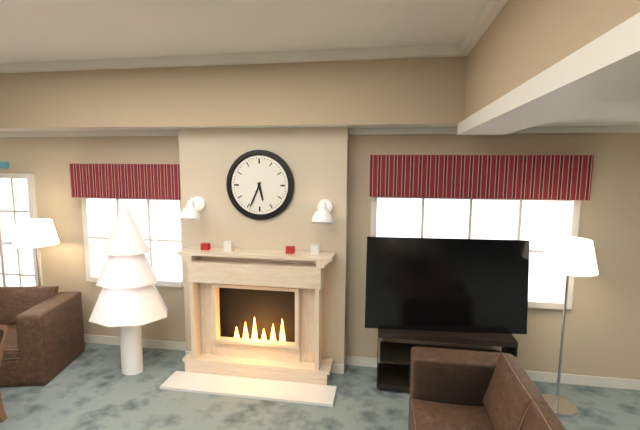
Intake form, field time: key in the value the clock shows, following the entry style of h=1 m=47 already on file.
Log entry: h=5 m=34
